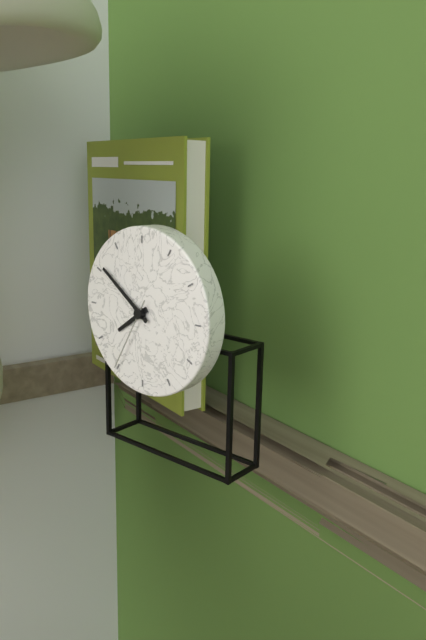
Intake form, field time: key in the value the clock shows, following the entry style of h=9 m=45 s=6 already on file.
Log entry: h=7 m=51 s=35
